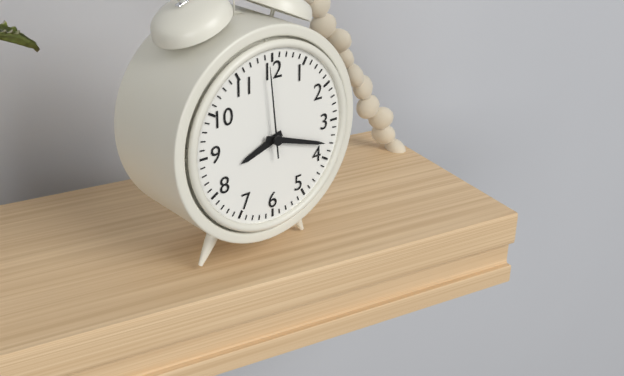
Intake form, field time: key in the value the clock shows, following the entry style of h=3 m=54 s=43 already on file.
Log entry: h=8 m=18 s=59
